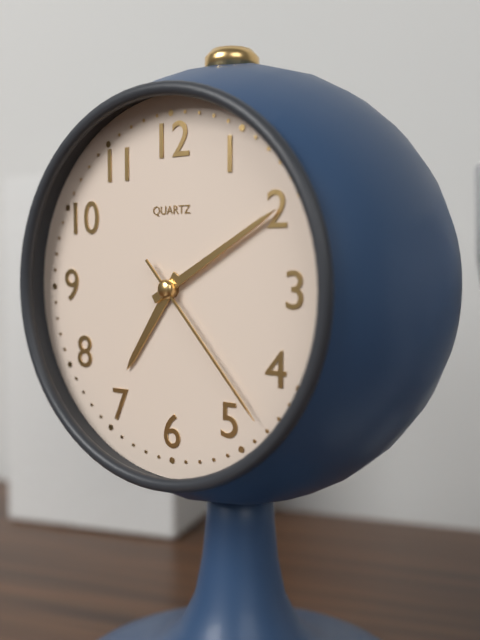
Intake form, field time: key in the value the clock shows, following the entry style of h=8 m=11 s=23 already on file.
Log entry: h=7 m=10 s=23
